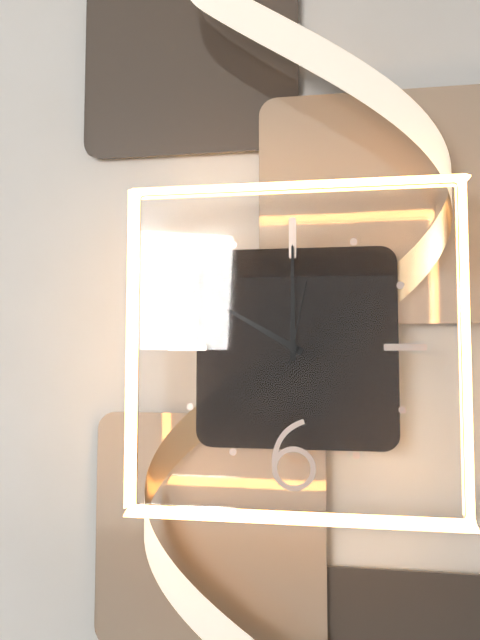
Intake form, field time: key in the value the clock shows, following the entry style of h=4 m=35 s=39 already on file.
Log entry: h=10 m=0 s=2
